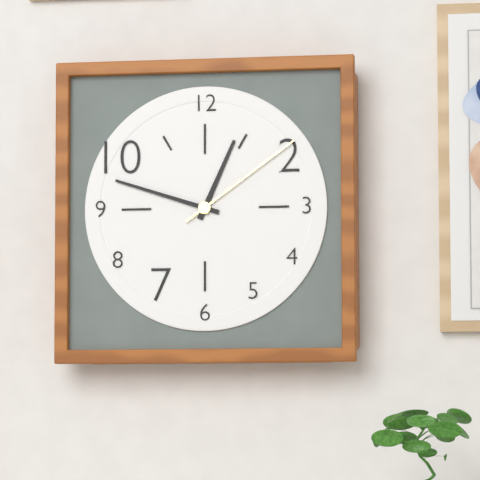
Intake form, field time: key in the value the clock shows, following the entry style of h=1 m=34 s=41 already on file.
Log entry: h=12 m=48 s=9
